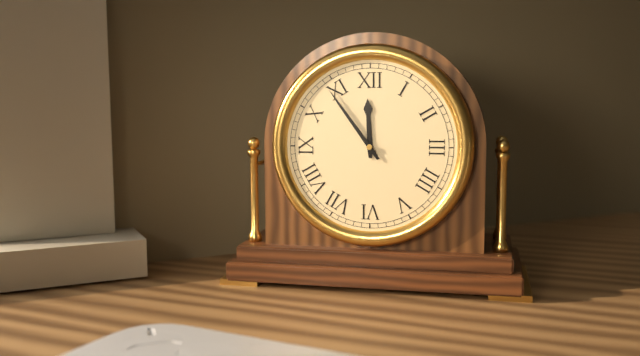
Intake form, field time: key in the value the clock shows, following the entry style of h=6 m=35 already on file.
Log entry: h=11 m=54
